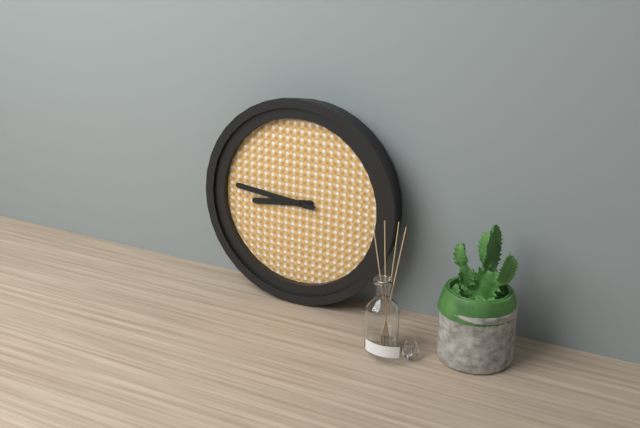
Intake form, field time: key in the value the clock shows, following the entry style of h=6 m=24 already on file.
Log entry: h=8 m=46
